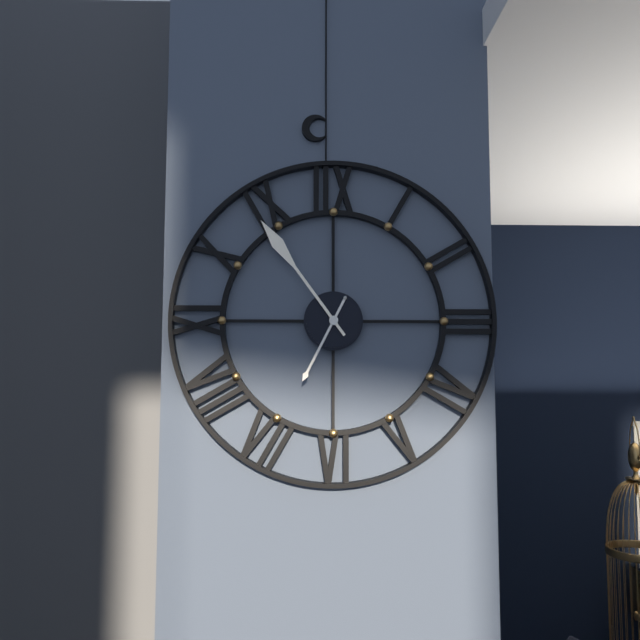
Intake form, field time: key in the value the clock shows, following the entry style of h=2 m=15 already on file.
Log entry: h=6 m=54
